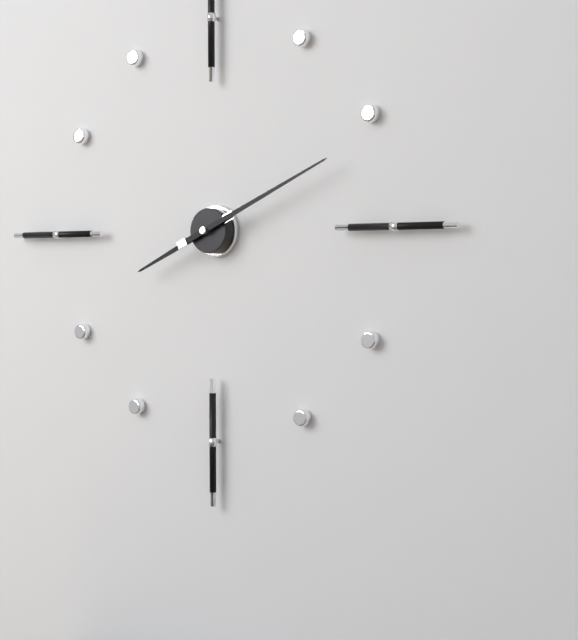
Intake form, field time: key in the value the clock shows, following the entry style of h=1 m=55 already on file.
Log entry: h=8 m=11
